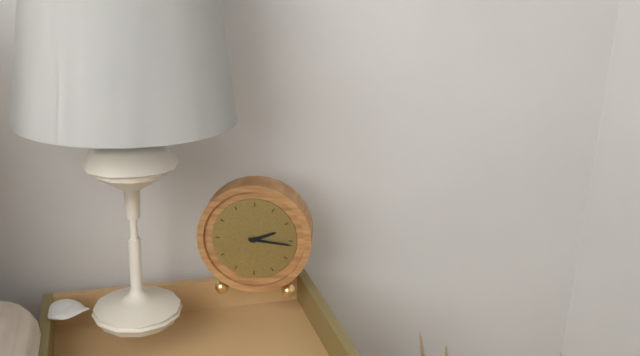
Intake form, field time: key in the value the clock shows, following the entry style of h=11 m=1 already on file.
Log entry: h=2 m=16
